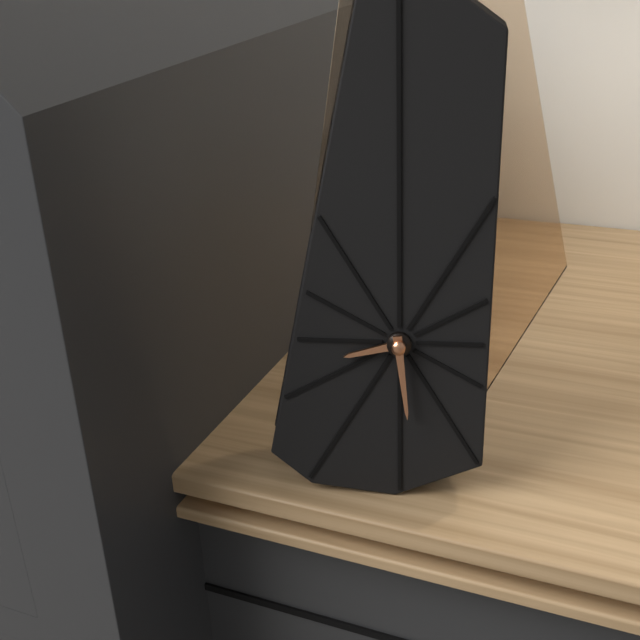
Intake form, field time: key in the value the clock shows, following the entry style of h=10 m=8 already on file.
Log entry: h=8 m=29
